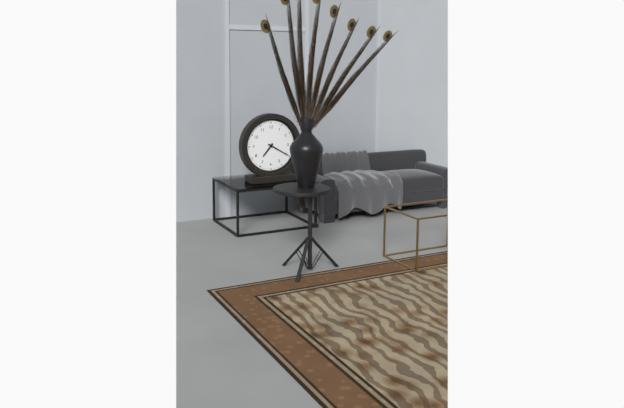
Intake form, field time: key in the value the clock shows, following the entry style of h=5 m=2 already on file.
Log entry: h=7 m=20
